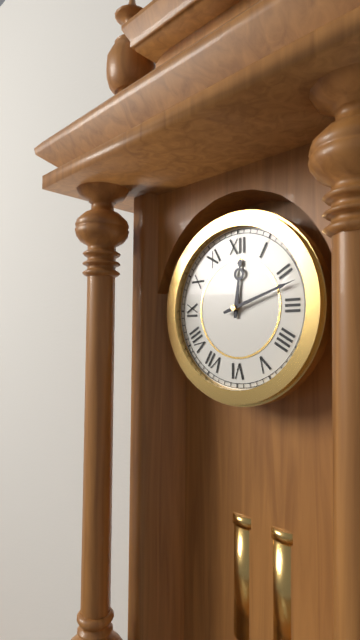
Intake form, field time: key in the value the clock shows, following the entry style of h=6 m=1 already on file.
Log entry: h=12 m=12
